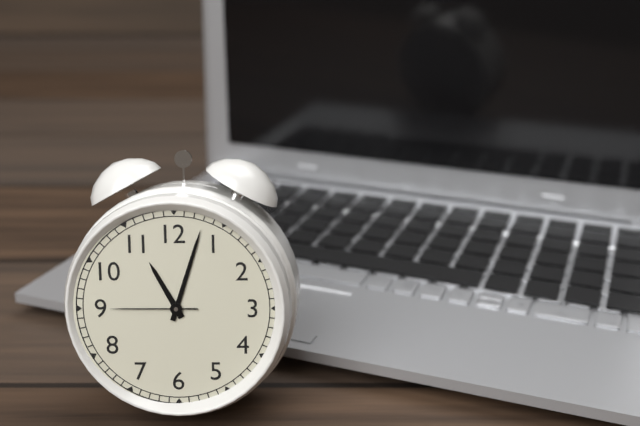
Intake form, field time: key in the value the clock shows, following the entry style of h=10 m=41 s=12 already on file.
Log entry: h=11 m=3 s=45
